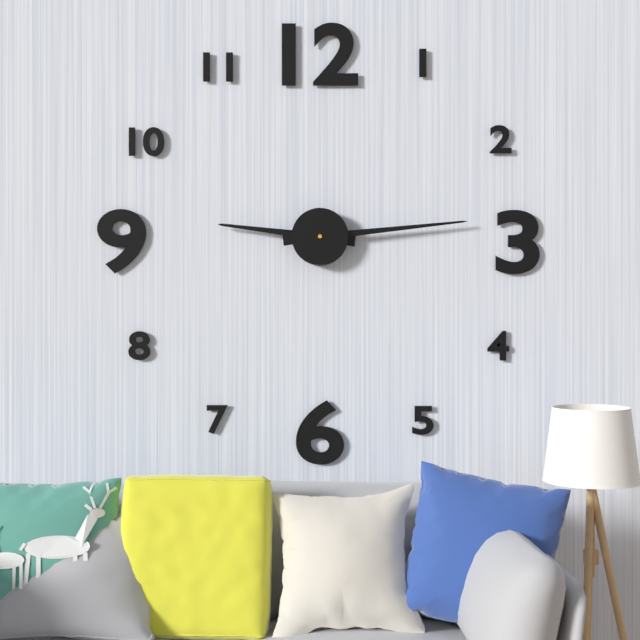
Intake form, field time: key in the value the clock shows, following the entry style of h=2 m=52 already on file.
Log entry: h=9 m=14
